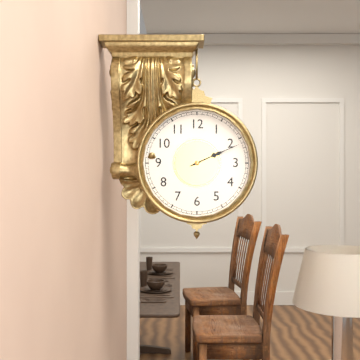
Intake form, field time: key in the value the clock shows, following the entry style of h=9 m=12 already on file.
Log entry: h=2 m=11
